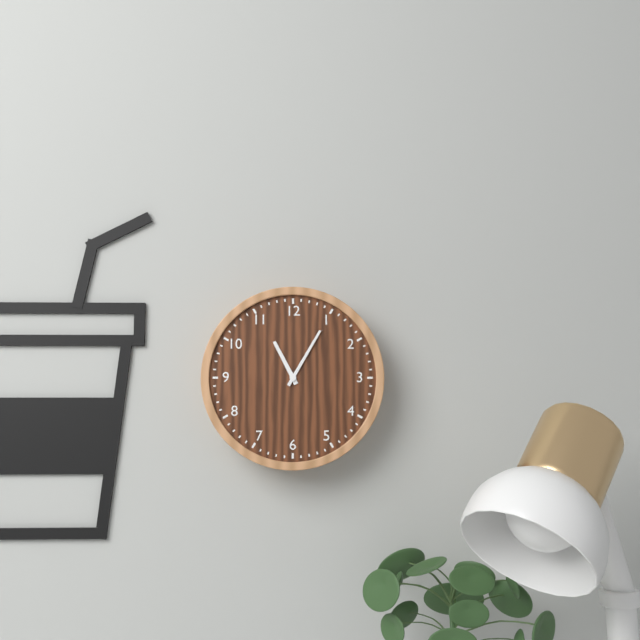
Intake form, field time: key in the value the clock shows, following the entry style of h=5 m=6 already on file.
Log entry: h=11 m=5
